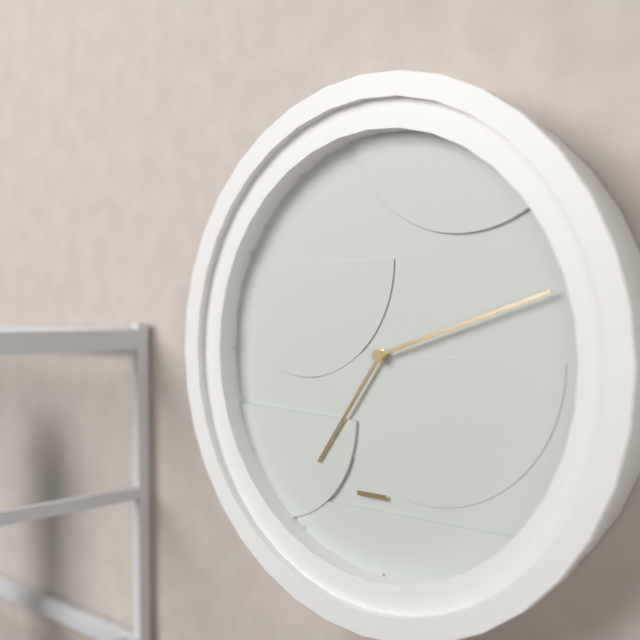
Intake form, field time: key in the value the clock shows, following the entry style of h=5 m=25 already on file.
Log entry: h=7 m=12
